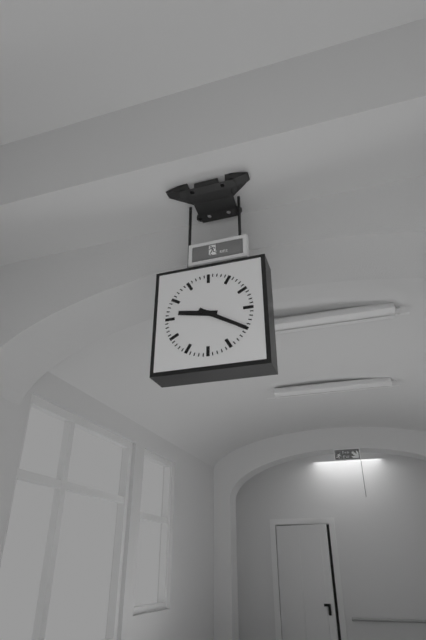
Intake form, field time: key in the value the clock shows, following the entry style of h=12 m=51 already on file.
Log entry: h=9 m=20
